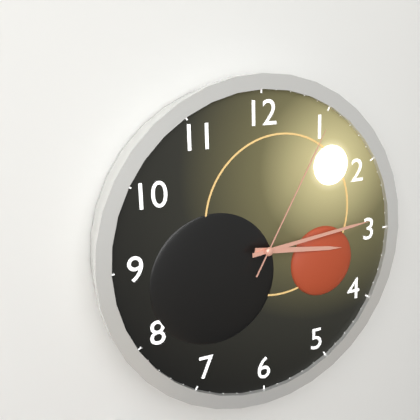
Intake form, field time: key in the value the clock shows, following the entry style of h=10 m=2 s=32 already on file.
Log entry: h=3 m=14 s=5
